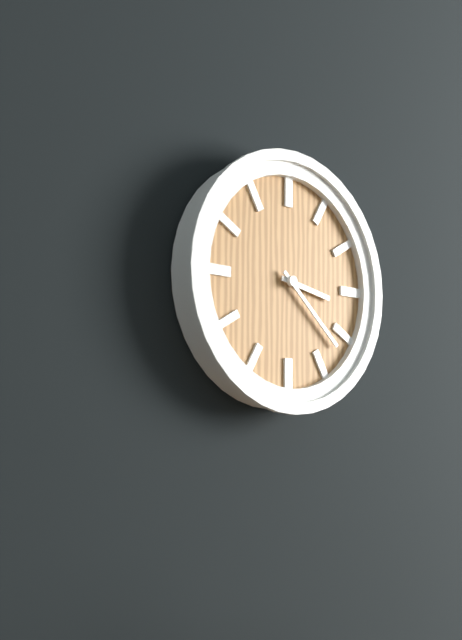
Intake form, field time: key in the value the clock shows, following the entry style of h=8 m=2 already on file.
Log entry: h=3 m=22
